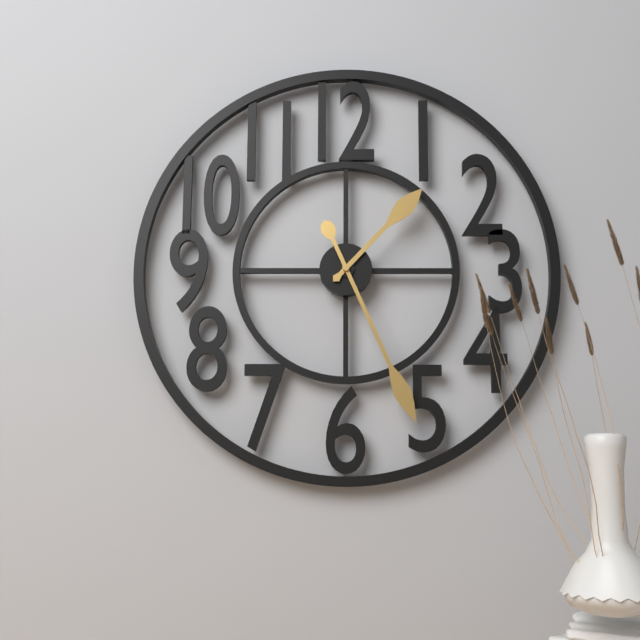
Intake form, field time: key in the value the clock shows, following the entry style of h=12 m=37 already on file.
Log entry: h=1 m=26
